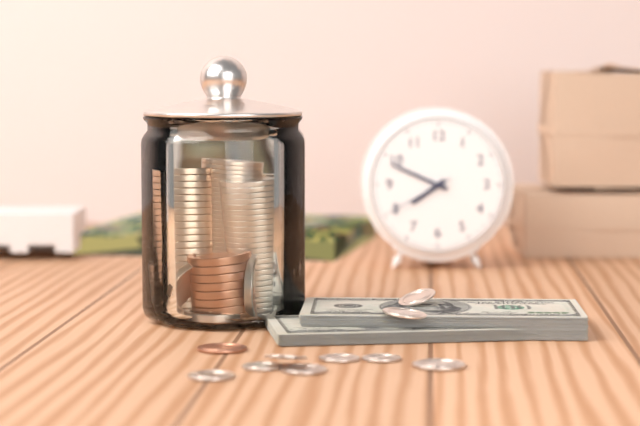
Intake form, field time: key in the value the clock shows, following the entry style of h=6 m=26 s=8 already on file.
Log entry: h=7 m=49 s=40
